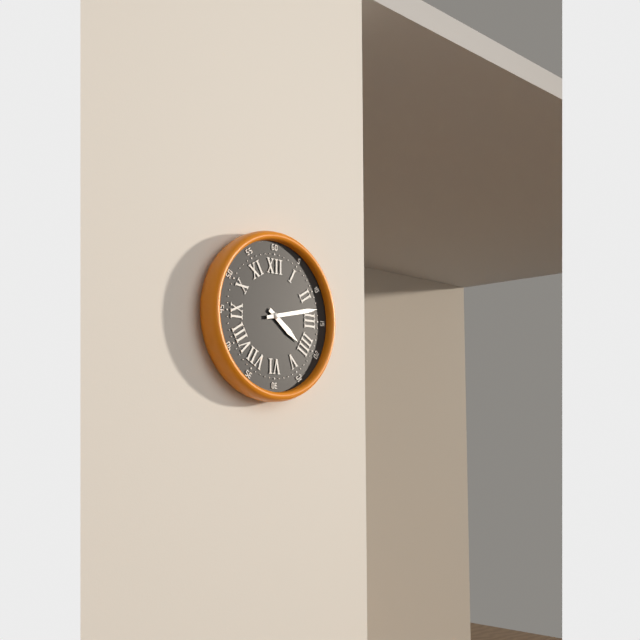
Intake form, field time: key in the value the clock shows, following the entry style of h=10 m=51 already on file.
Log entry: h=4 m=13
